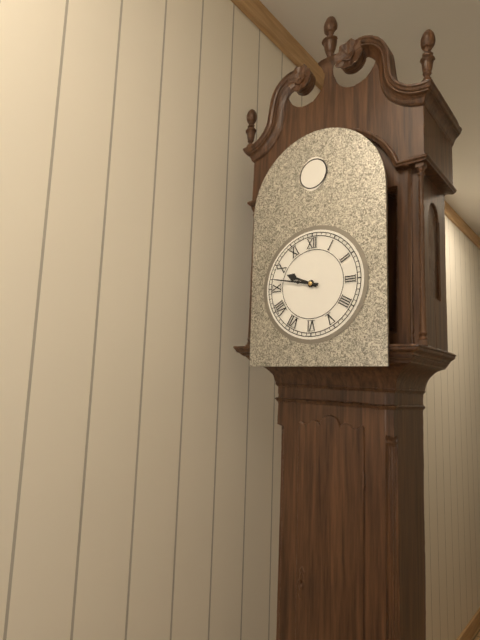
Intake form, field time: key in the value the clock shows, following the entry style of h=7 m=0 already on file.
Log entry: h=9 m=47
